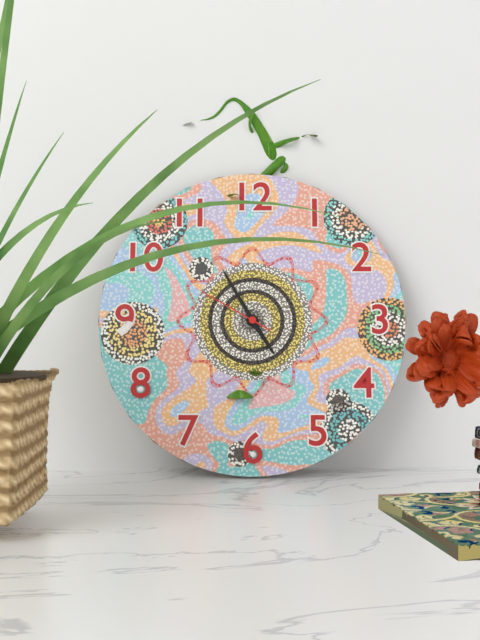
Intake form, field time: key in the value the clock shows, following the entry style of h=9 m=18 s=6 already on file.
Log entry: h=4 m=55 s=50
